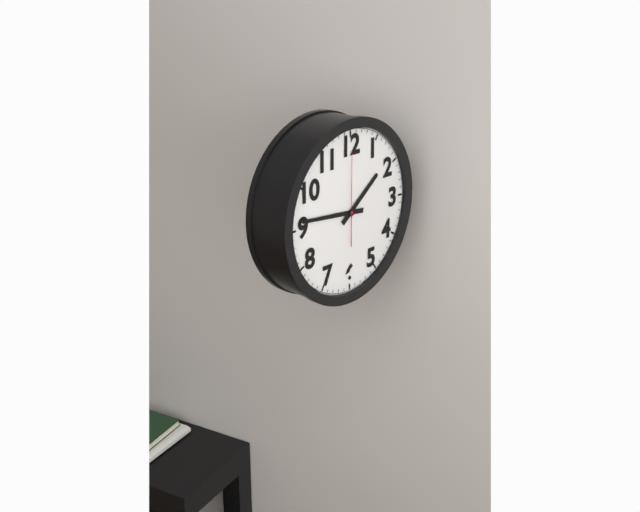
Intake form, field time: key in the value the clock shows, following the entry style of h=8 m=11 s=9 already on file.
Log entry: h=1 m=46 s=0
